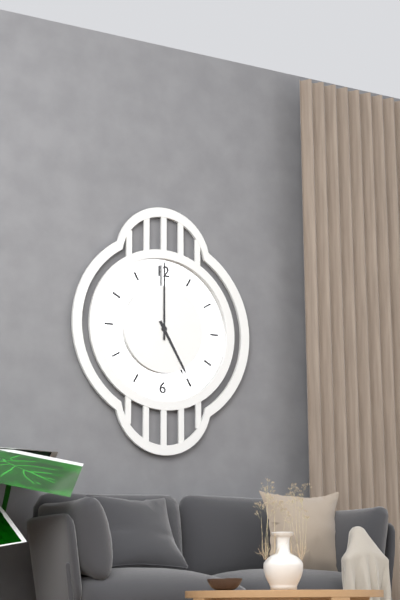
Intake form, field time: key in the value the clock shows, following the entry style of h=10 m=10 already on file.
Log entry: h=5 m=0
